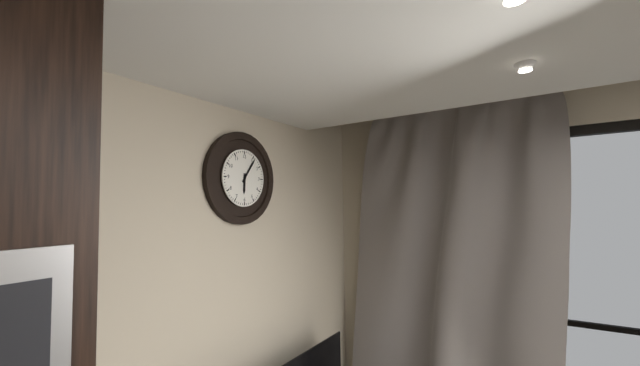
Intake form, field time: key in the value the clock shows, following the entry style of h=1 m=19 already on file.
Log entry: h=6 m=6
